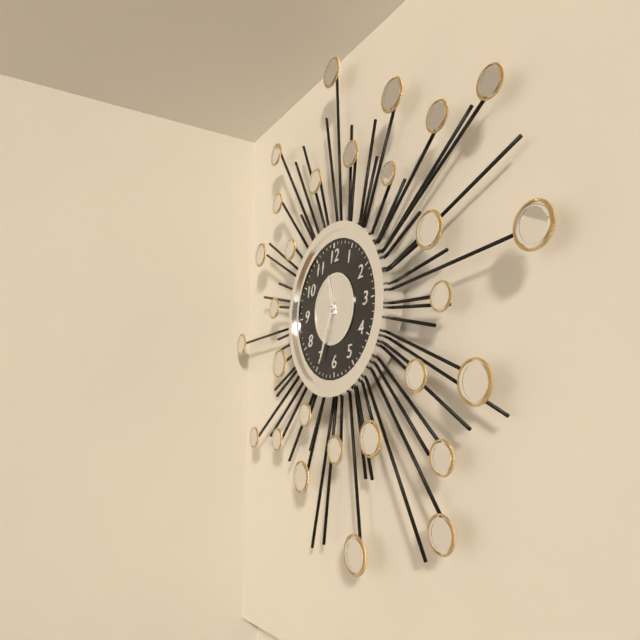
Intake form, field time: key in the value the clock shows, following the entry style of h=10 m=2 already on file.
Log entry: h=11 m=34
